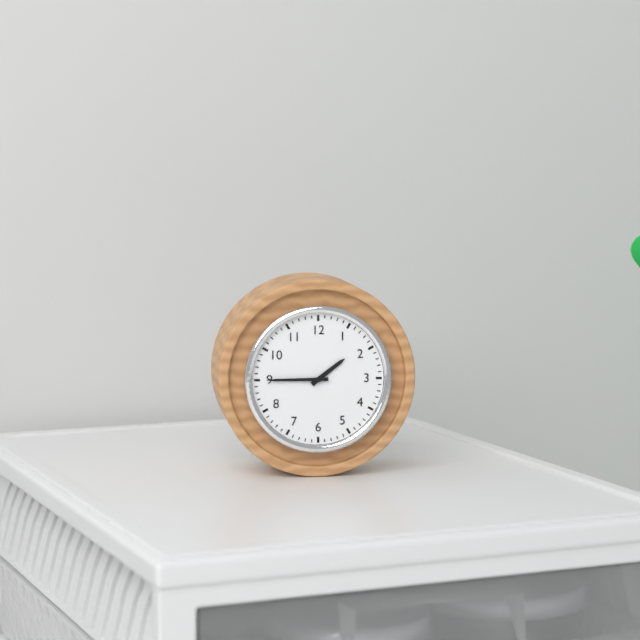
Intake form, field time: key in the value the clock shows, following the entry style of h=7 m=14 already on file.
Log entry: h=1 m=45
